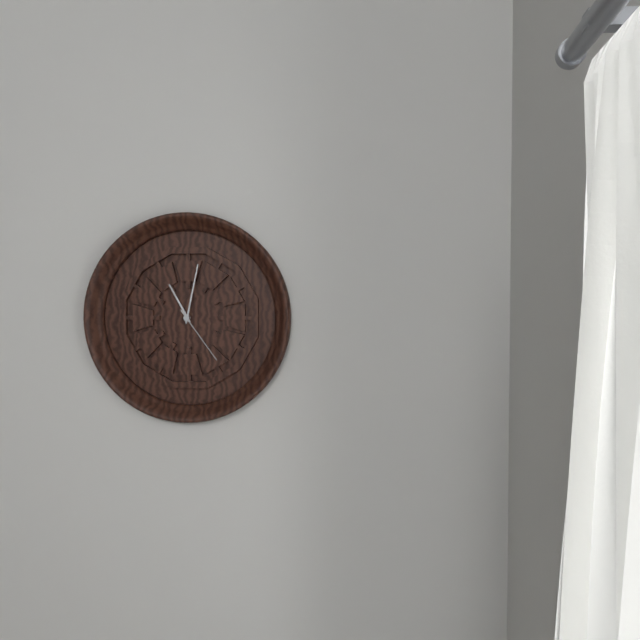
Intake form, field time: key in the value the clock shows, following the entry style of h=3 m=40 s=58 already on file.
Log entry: h=11 m=2 s=24
